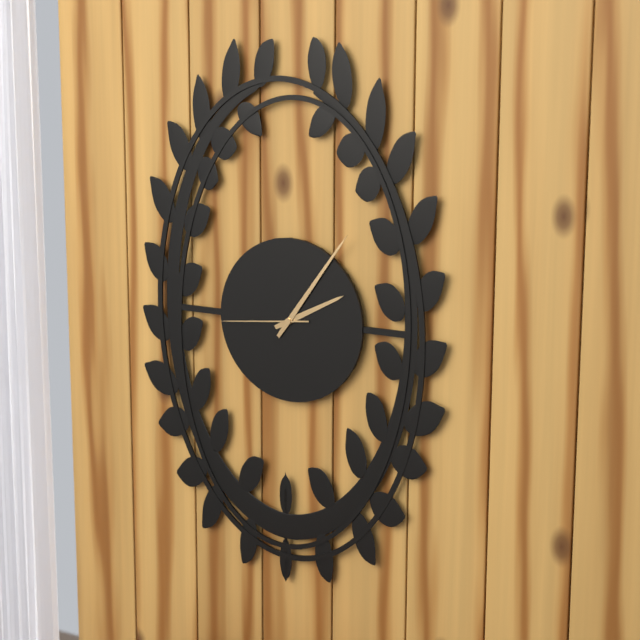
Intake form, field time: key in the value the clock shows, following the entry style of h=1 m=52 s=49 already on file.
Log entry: h=2 m=6 s=44
